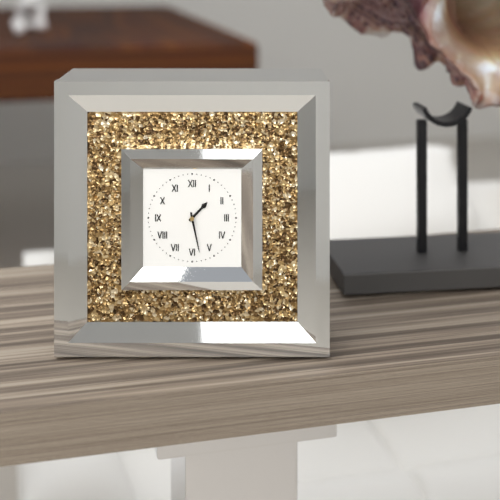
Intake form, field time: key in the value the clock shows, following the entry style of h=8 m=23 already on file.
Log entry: h=1 m=28
